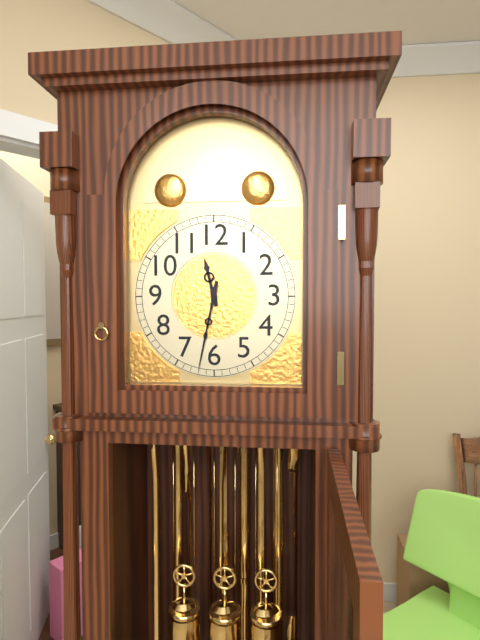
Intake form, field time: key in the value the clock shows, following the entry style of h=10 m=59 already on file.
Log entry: h=11 m=32
